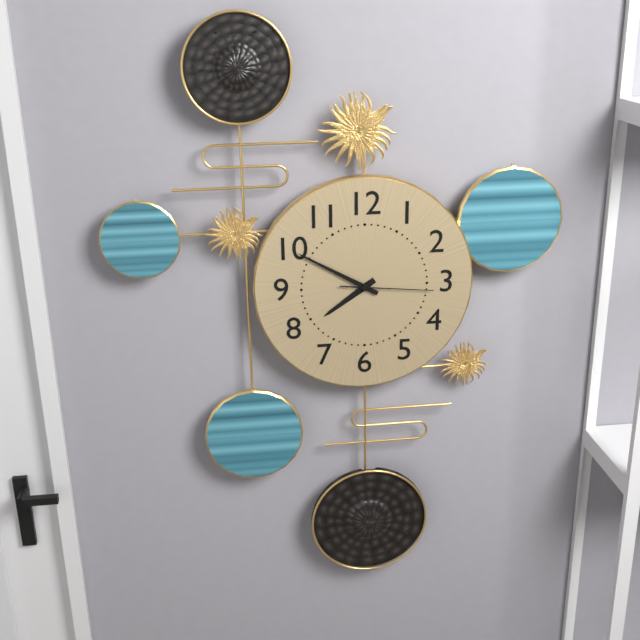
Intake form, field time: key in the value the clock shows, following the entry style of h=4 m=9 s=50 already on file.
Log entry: h=7 m=50 s=16
